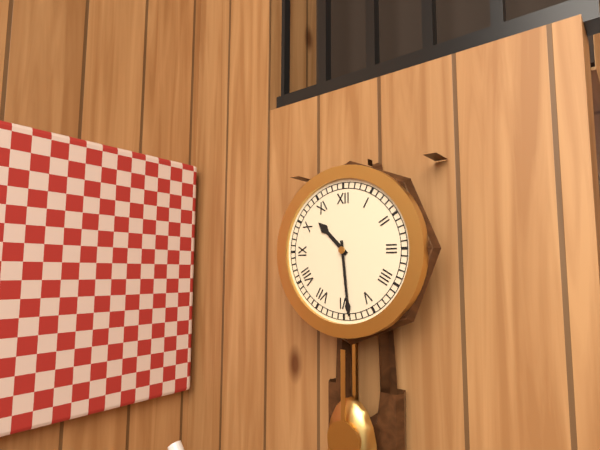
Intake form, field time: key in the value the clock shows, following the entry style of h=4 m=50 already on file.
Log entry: h=10 m=29
